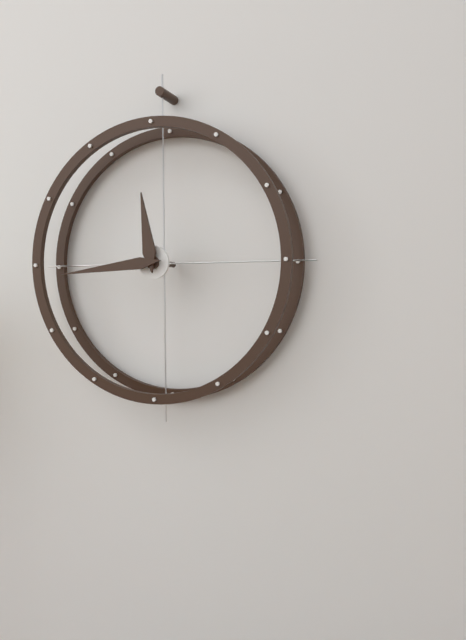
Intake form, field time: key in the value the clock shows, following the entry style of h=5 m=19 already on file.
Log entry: h=11 m=44
